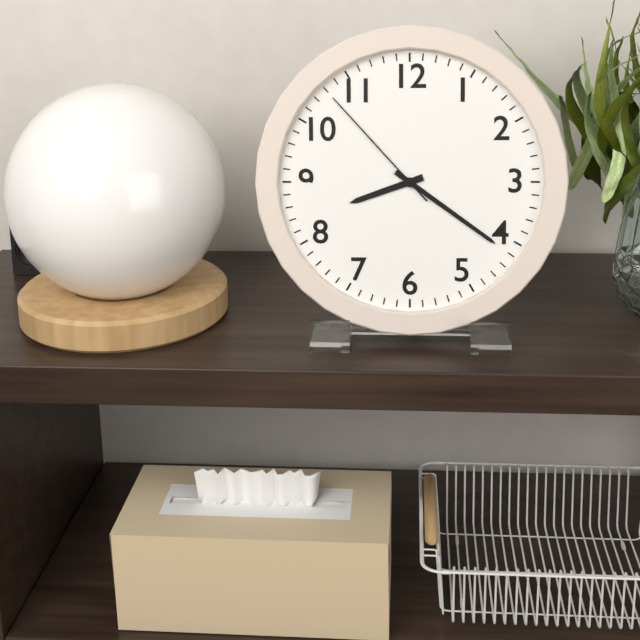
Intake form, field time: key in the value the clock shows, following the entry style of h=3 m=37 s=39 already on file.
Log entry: h=8 m=21 s=53
